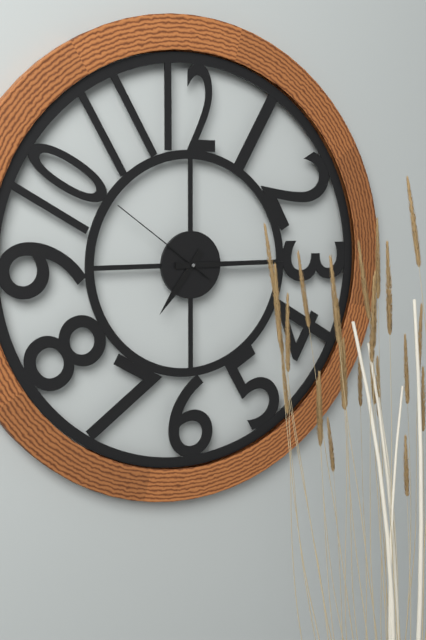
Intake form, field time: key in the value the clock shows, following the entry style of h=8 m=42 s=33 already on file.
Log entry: h=7 m=15 s=51
